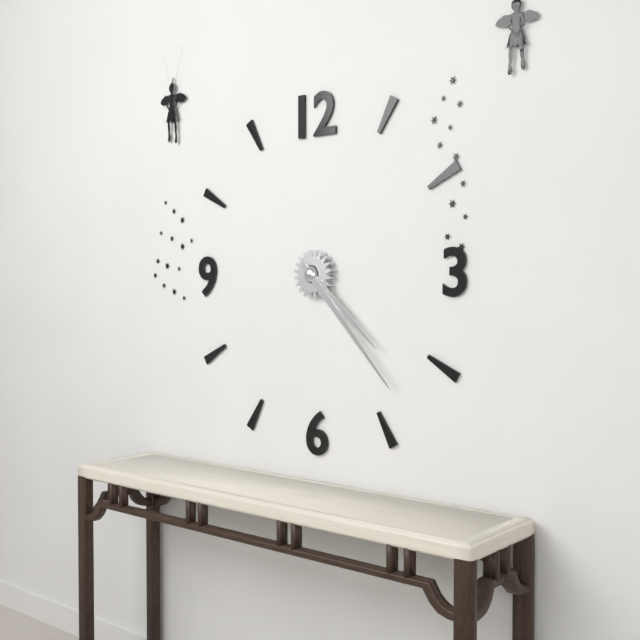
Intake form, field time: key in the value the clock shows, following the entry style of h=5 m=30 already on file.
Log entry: h=4 m=23
